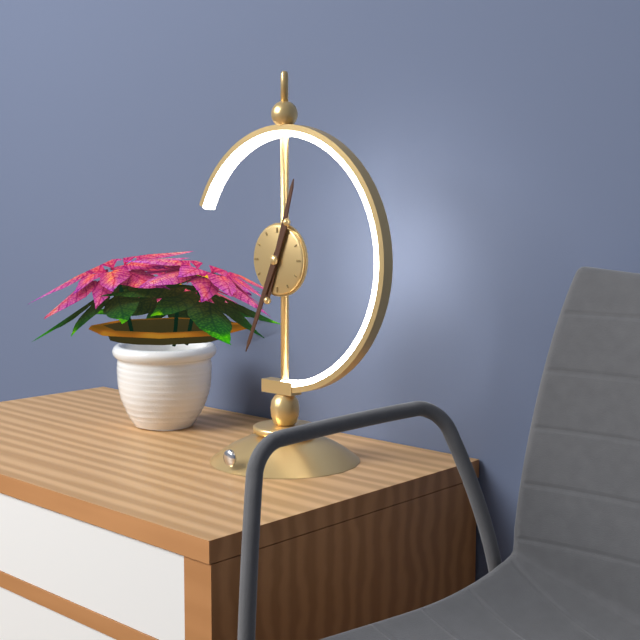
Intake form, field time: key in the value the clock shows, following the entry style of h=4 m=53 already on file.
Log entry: h=12 m=34
